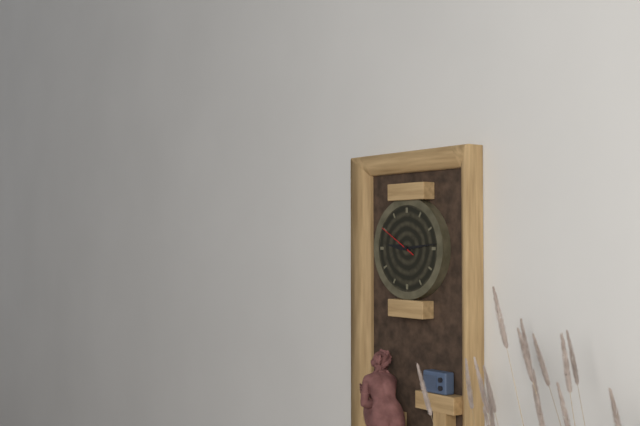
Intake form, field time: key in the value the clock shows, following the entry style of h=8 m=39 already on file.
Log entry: h=9 m=14
